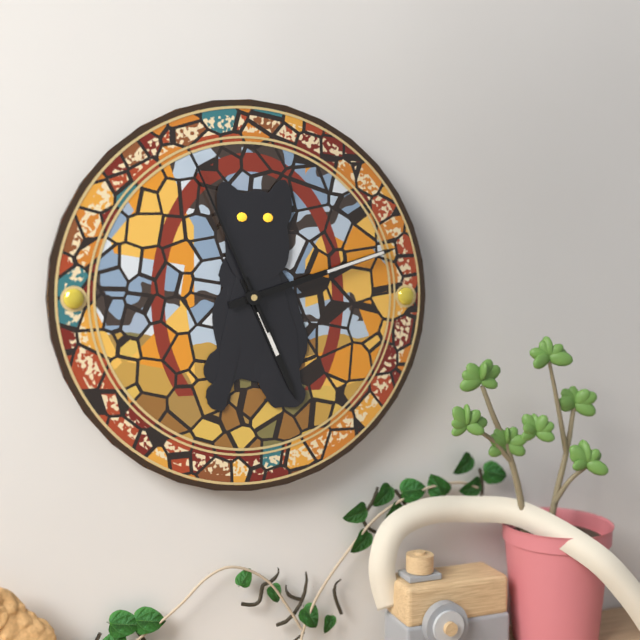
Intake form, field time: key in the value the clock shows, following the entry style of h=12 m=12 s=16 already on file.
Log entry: h=5 m=12 s=56
